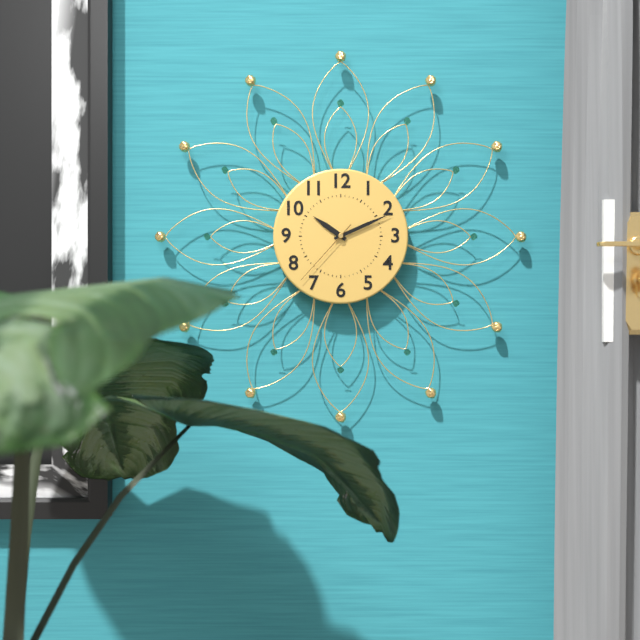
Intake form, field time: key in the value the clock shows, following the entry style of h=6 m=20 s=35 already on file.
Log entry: h=10 m=11 s=37
